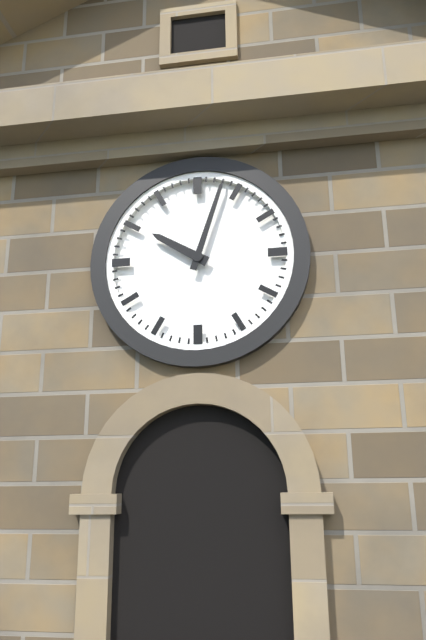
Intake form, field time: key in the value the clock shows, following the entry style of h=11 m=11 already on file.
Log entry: h=10 m=3
